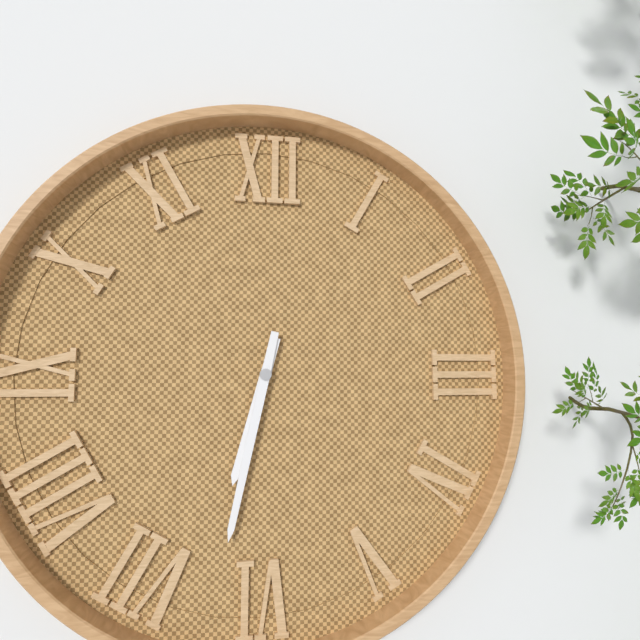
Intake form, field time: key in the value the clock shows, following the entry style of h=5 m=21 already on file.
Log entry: h=6 m=32
